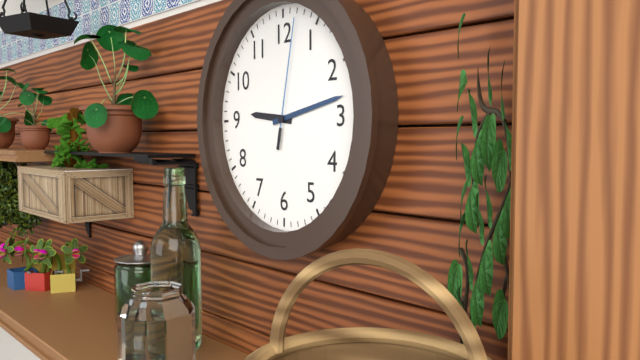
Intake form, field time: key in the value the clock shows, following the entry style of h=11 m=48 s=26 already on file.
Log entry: h=9 m=13 s=2
